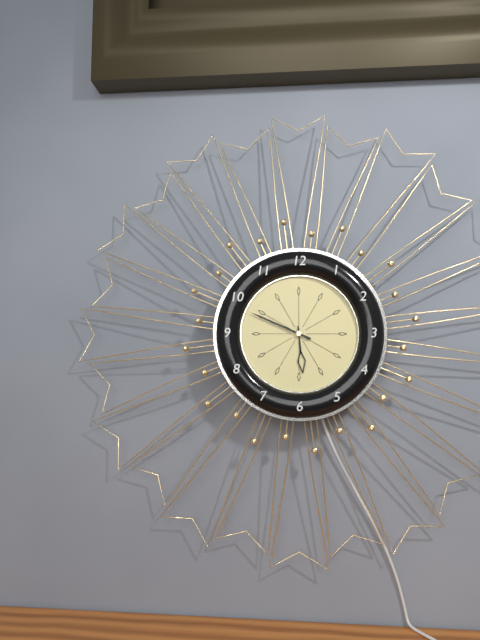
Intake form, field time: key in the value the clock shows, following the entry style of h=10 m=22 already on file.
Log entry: h=5 m=49
